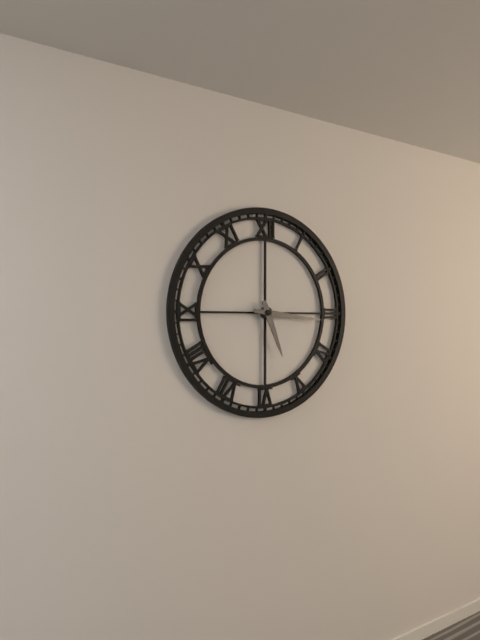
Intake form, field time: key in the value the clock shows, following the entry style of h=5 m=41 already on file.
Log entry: h=5 m=16
